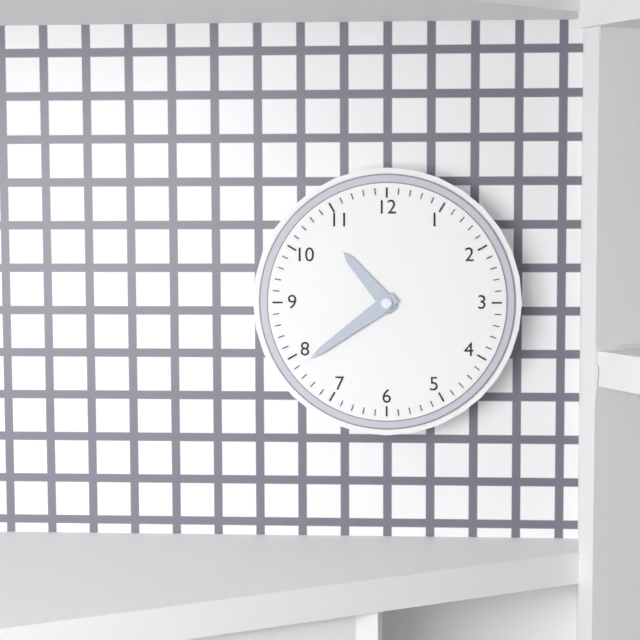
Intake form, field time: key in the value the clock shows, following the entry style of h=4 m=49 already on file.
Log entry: h=10 m=39
